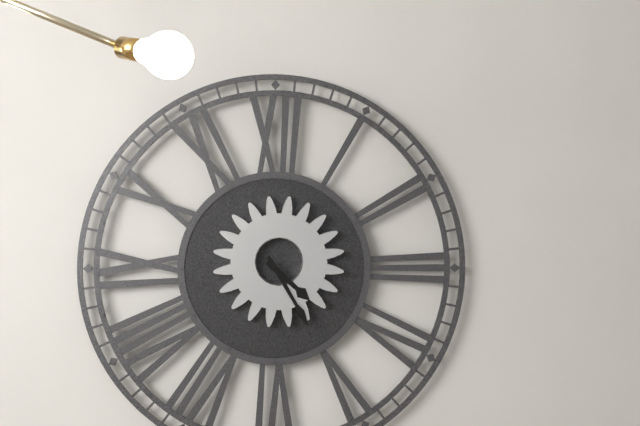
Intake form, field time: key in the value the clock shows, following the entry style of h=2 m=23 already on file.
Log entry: h=4 m=25
